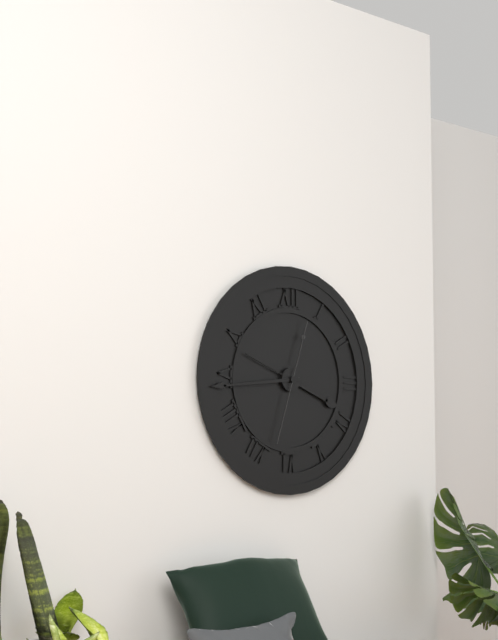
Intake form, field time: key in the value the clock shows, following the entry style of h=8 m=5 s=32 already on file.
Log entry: h=3 m=44 s=33
